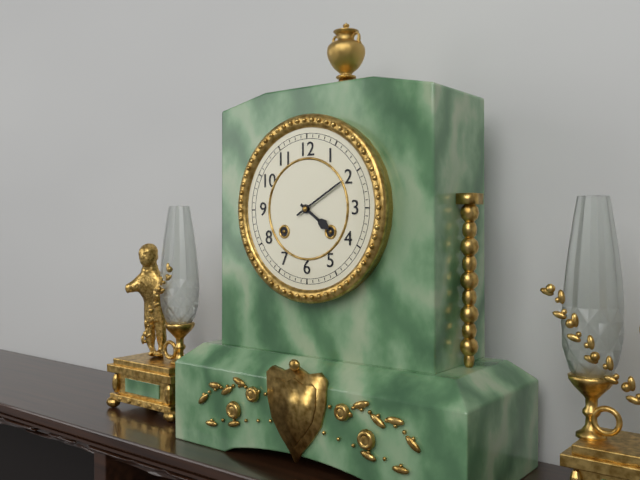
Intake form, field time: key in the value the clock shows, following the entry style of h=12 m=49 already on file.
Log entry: h=4 m=10
